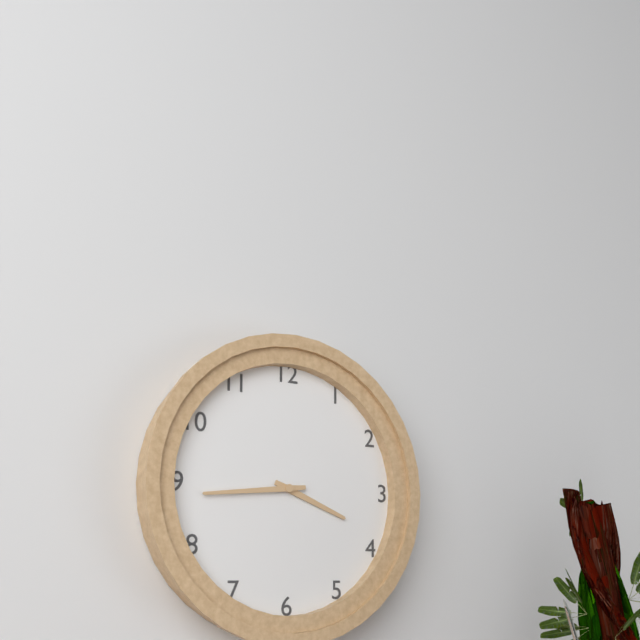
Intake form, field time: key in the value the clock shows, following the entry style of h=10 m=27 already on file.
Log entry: h=3 m=44
